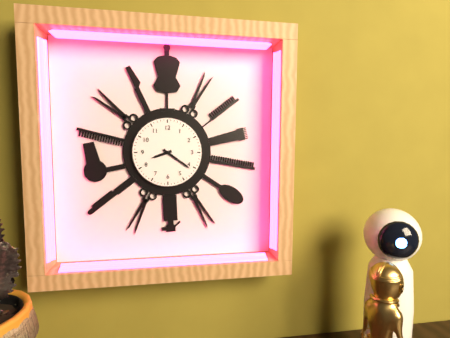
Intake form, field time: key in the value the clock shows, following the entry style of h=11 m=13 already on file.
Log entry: h=8 m=21
